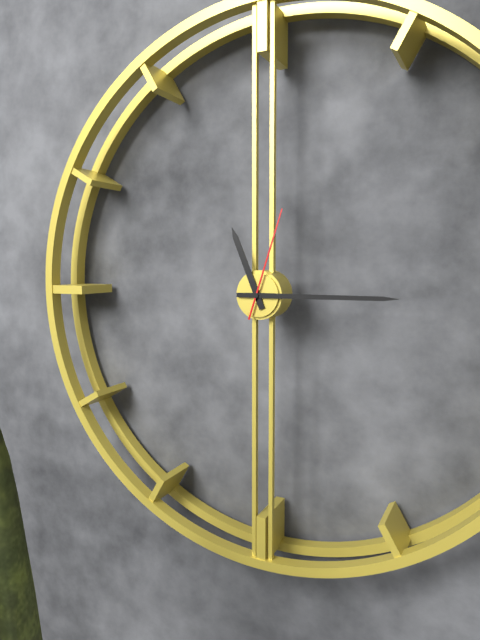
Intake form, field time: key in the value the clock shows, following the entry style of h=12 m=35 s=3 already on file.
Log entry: h=11 m=15 s=3
